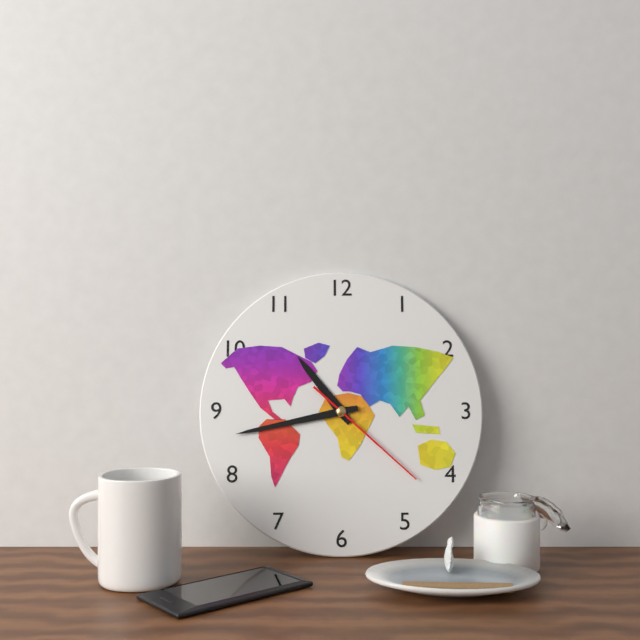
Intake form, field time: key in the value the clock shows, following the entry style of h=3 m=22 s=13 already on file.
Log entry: h=10 m=43 s=22
